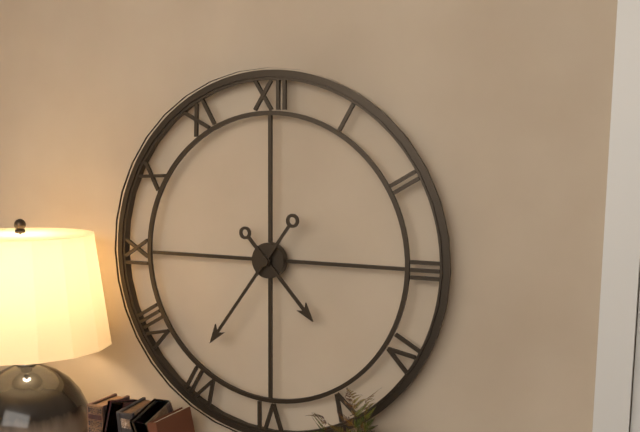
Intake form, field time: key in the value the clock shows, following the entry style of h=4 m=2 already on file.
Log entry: h=4 m=36
